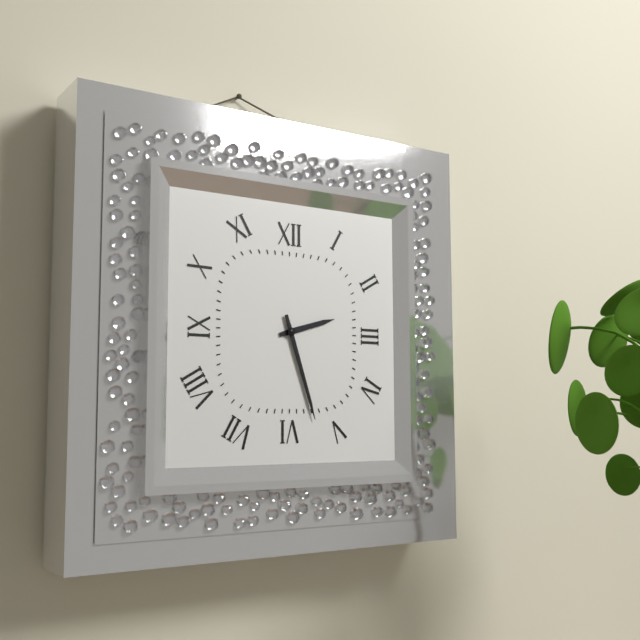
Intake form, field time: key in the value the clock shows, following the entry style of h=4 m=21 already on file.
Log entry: h=2 m=27
